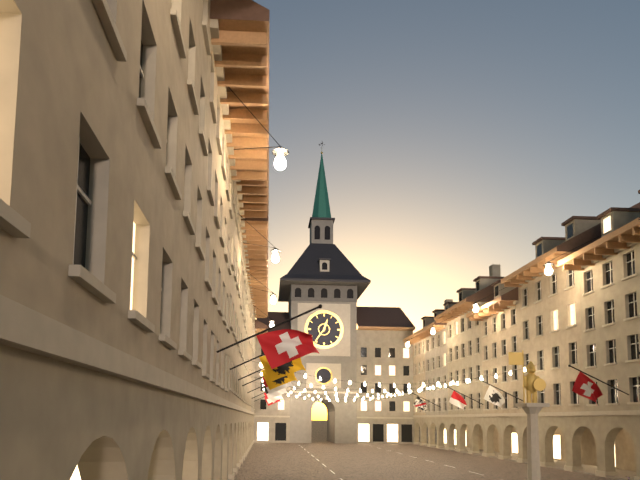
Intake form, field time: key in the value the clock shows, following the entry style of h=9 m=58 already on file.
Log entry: h=12 m=36
